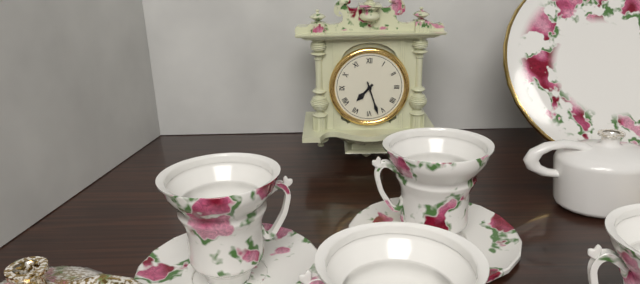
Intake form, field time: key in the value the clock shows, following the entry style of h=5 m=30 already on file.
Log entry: h=7 m=27
